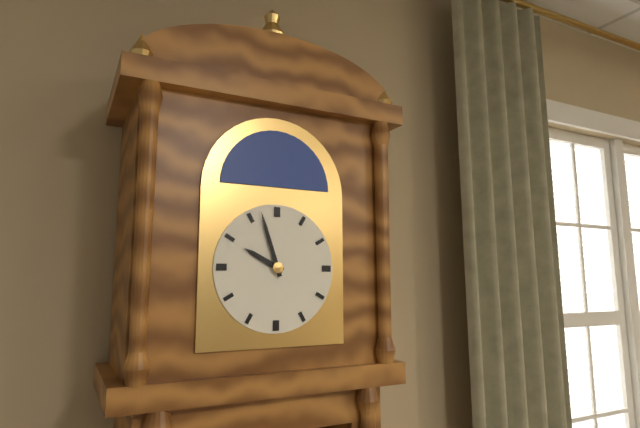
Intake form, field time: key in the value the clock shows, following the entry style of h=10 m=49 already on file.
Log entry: h=9 m=57
